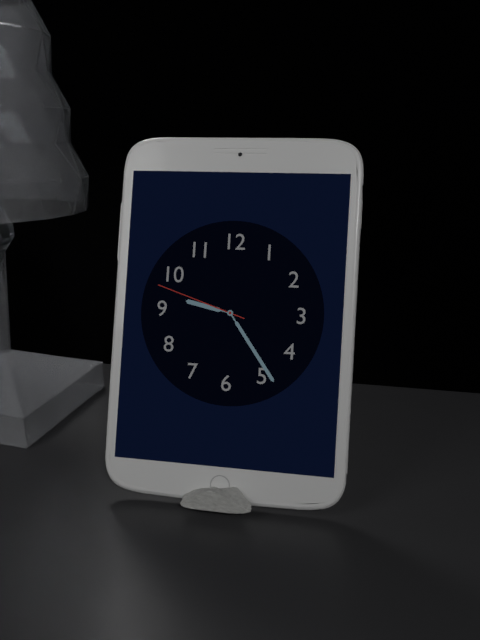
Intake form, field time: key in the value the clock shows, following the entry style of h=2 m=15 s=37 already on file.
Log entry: h=9 m=24 s=48
